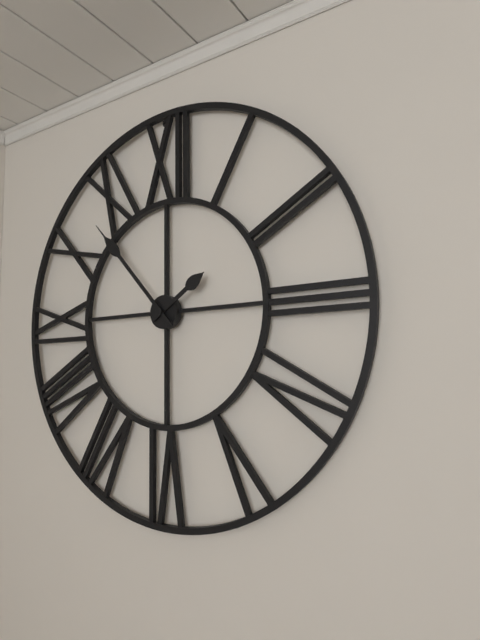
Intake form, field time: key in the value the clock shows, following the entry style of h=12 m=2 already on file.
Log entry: h=1 m=53
